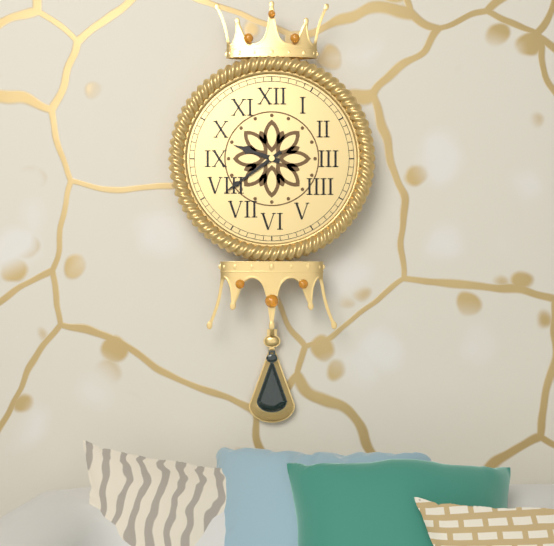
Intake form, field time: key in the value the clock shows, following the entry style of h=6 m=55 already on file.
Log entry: h=9 m=39
